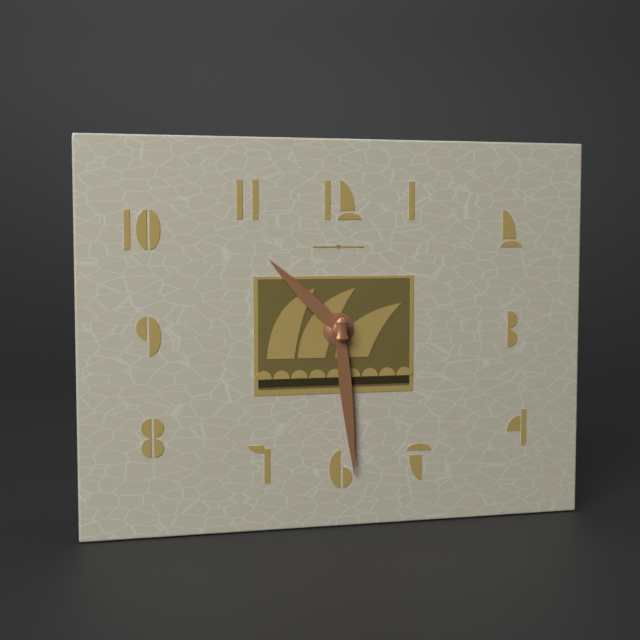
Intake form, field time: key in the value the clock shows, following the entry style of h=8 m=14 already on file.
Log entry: h=10 m=29
